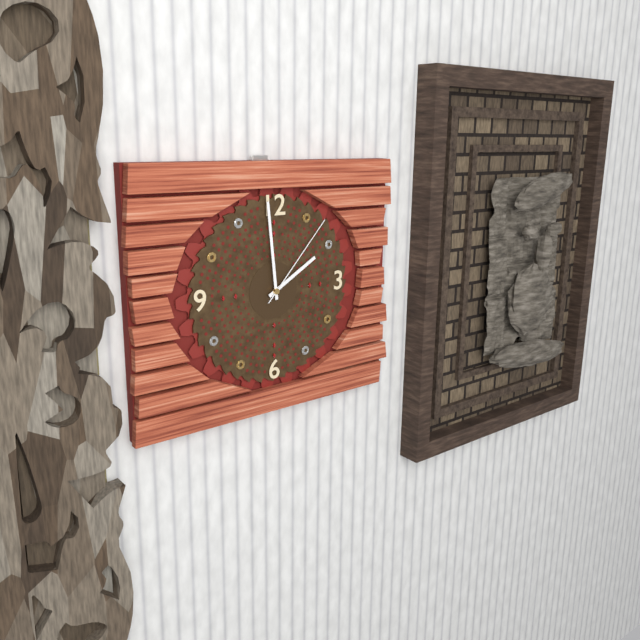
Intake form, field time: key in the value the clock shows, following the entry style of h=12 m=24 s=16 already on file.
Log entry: h=1 m=59 s=7
